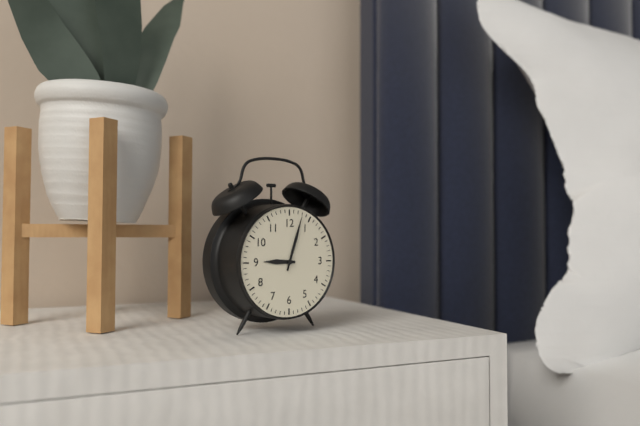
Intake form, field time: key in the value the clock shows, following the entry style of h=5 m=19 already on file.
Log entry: h=9 m=3
